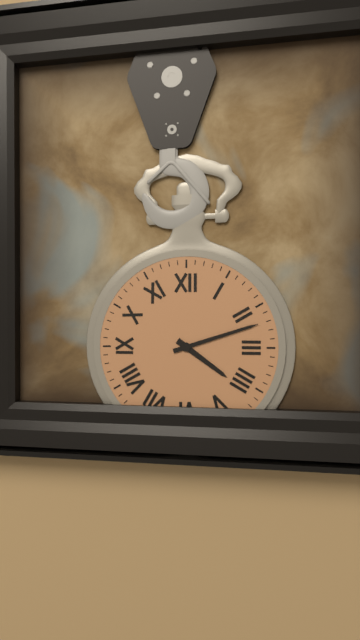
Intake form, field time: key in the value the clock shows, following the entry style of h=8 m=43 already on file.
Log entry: h=4 m=12
